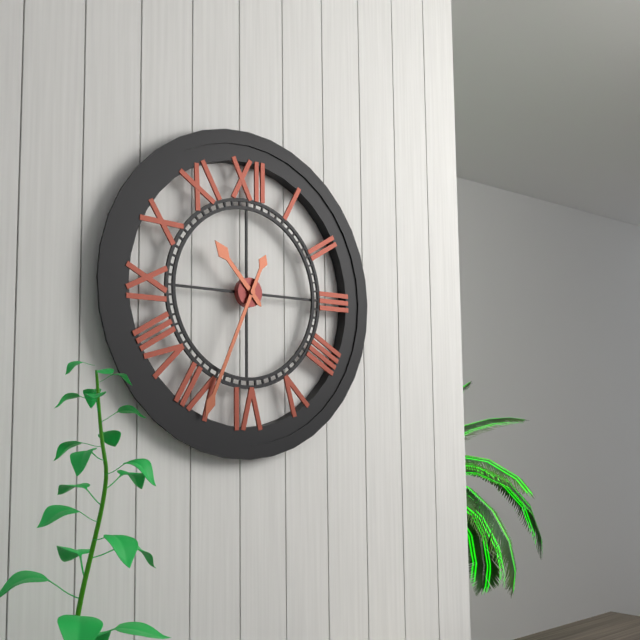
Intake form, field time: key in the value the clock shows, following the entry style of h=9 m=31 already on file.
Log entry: h=10 m=34
